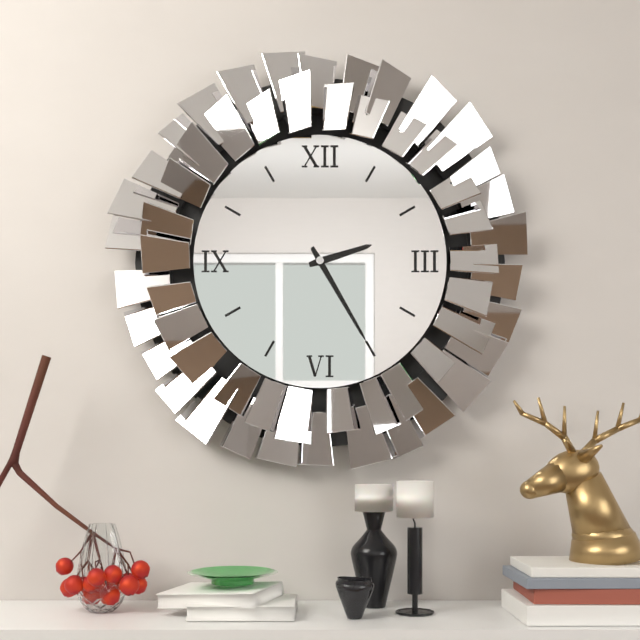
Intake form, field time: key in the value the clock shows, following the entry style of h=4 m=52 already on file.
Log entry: h=2 m=25
